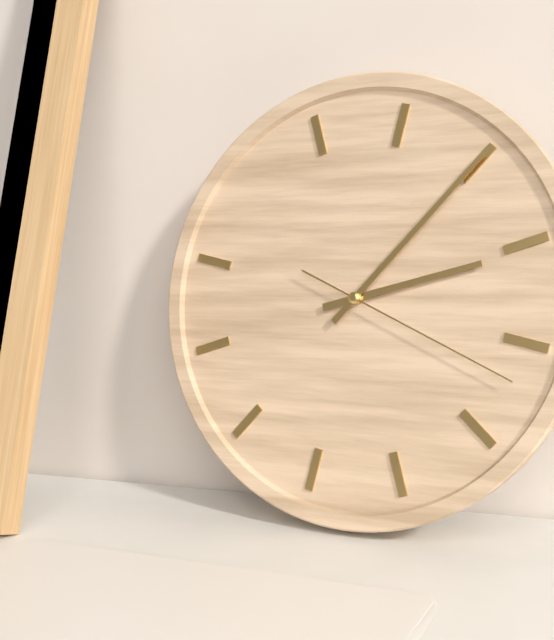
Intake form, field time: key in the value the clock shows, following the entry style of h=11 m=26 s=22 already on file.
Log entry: h=2 m=5 s=17
